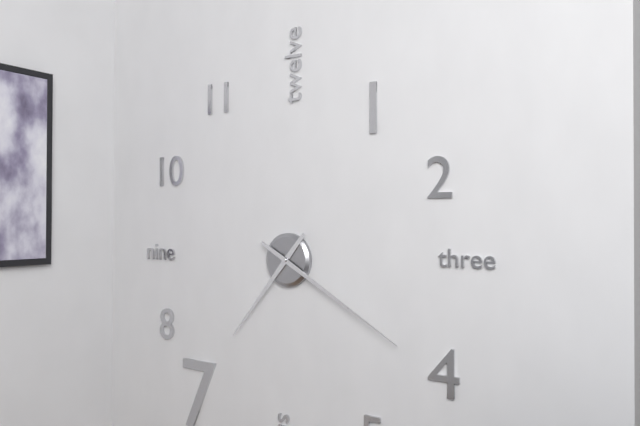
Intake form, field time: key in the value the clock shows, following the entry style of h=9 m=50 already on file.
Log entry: h=7 m=20
